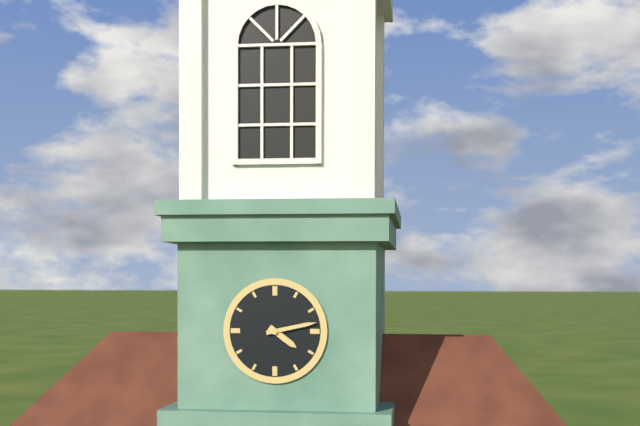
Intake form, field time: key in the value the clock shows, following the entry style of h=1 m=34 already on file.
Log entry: h=4 m=13
